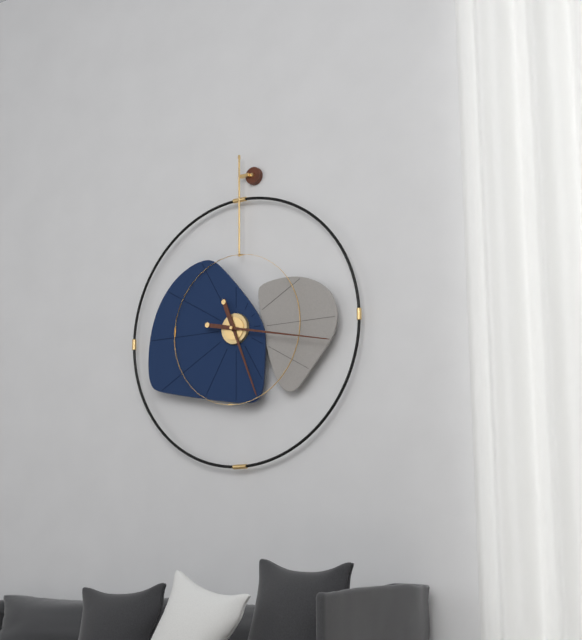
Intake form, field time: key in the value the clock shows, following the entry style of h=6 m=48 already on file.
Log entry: h=5 m=17
